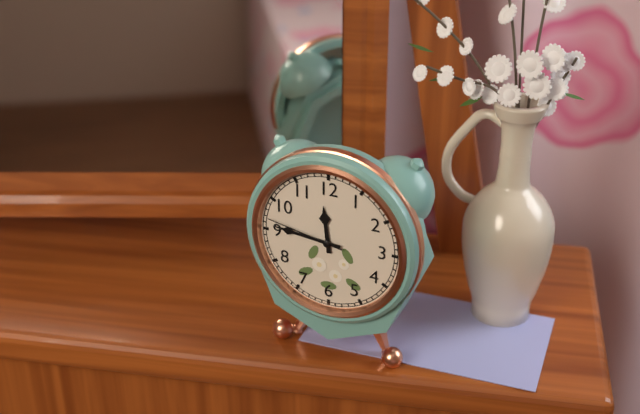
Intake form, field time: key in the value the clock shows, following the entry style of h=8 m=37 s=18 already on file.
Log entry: h=11 m=46 s=47
